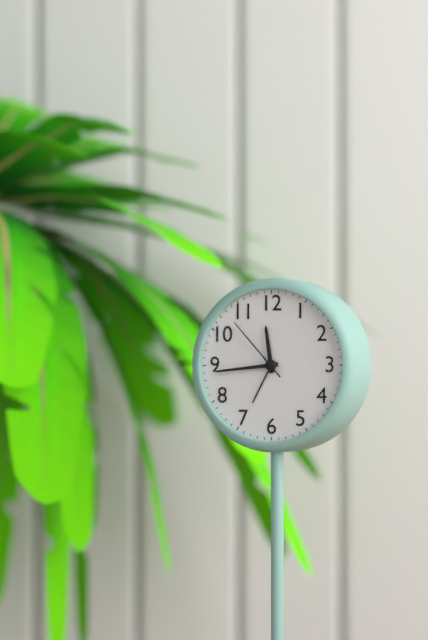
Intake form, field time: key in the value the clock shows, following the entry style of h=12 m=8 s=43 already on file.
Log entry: h=11 m=44 s=53
